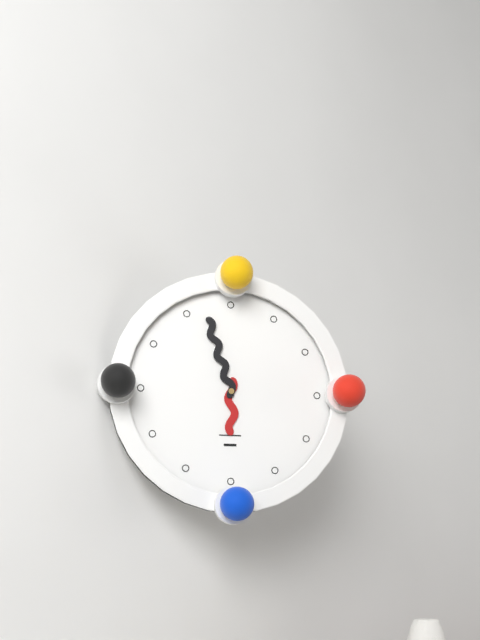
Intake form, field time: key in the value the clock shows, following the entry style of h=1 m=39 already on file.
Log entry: h=5 m=57
